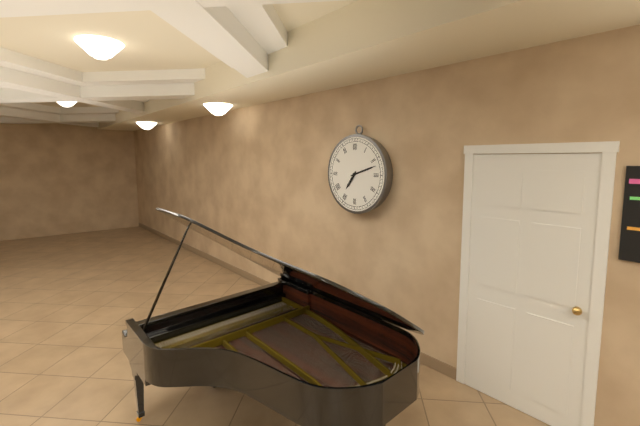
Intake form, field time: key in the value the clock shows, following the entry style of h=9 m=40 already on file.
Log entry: h=7 m=12
